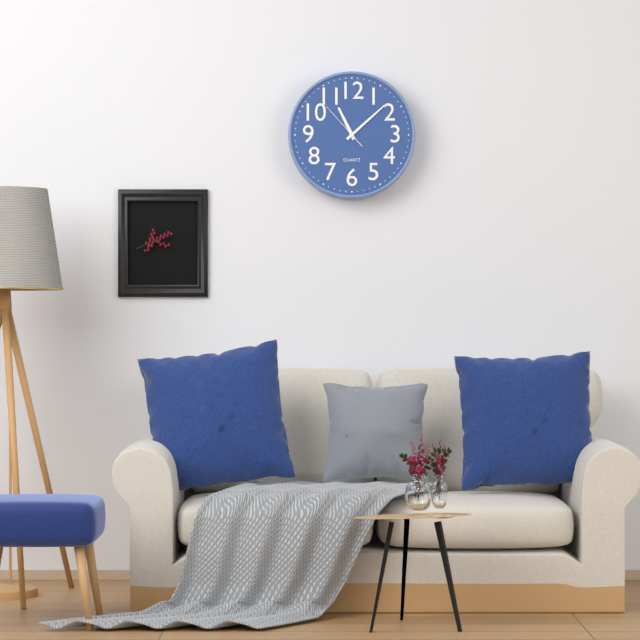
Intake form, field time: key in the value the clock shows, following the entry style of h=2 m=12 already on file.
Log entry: h=11 m=8
